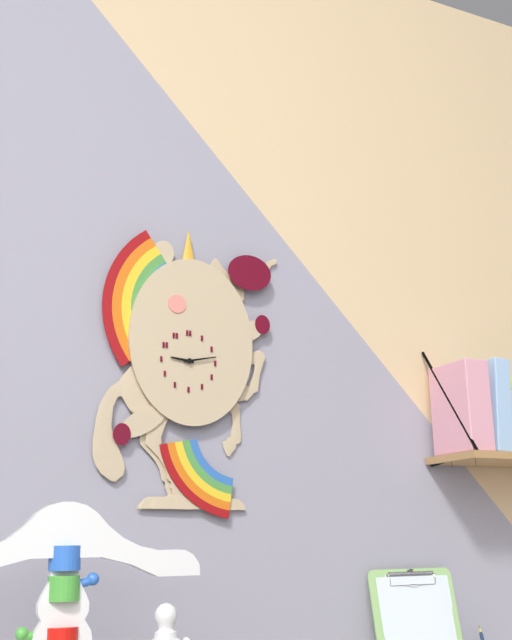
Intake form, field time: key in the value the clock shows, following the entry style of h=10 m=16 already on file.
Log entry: h=9 m=13
